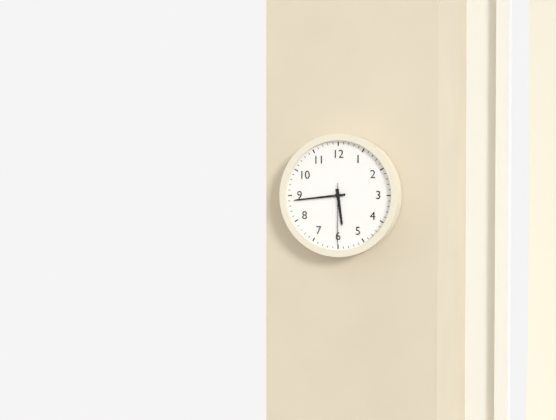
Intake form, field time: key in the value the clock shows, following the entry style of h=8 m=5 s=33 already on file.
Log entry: h=5 m=44 s=30
